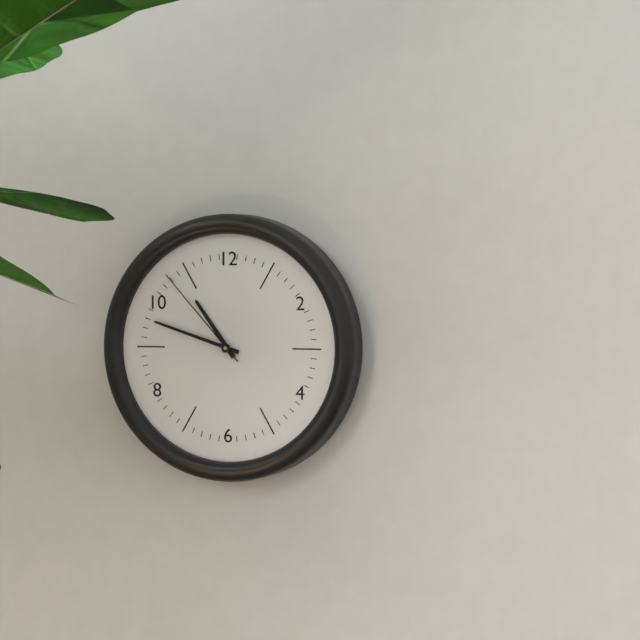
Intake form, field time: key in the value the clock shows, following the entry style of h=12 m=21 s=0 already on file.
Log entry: h=10 m=48 s=53
